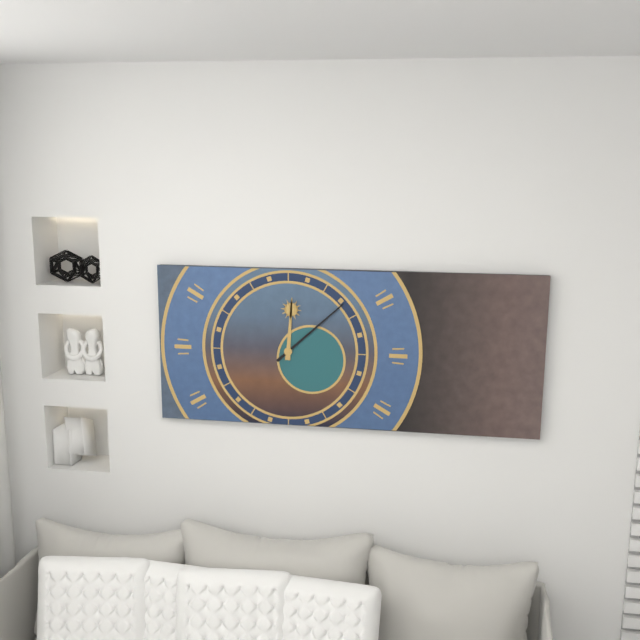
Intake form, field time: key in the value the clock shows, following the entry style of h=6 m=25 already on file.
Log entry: h=12 m=8
